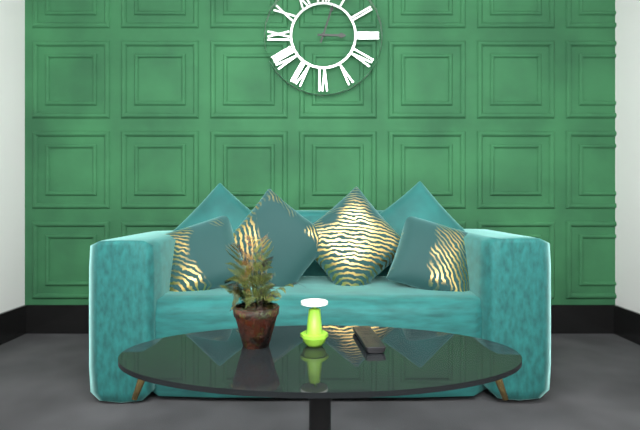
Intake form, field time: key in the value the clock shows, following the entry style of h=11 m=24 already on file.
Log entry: h=3 m=3
